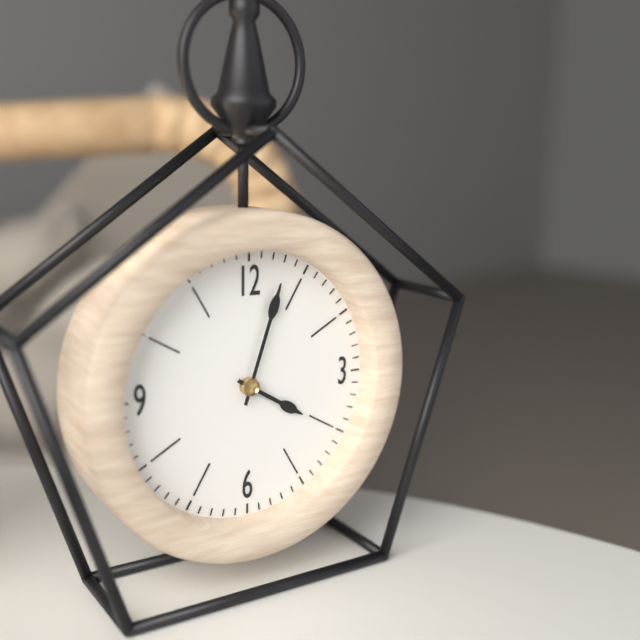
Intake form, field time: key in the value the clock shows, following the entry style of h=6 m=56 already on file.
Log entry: h=4 m=3
